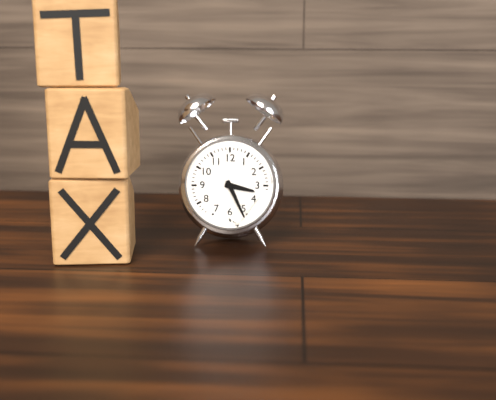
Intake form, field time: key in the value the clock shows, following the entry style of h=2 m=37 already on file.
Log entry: h=3 m=26
